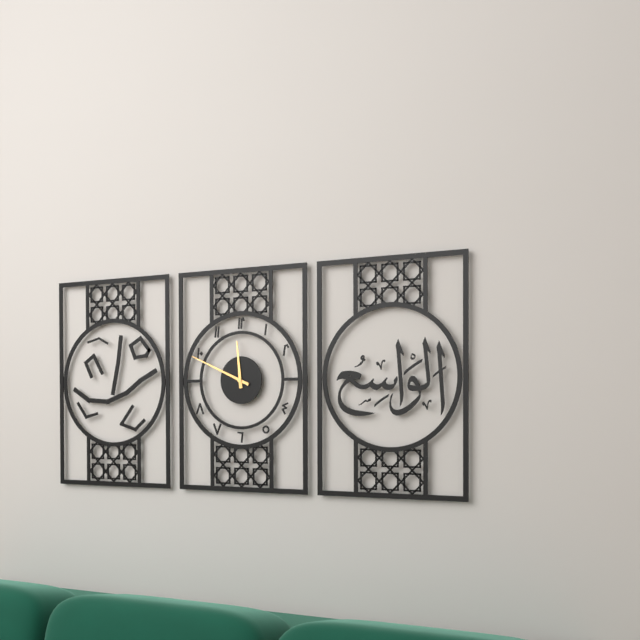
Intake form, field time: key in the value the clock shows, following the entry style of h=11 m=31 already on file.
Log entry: h=11 m=49
